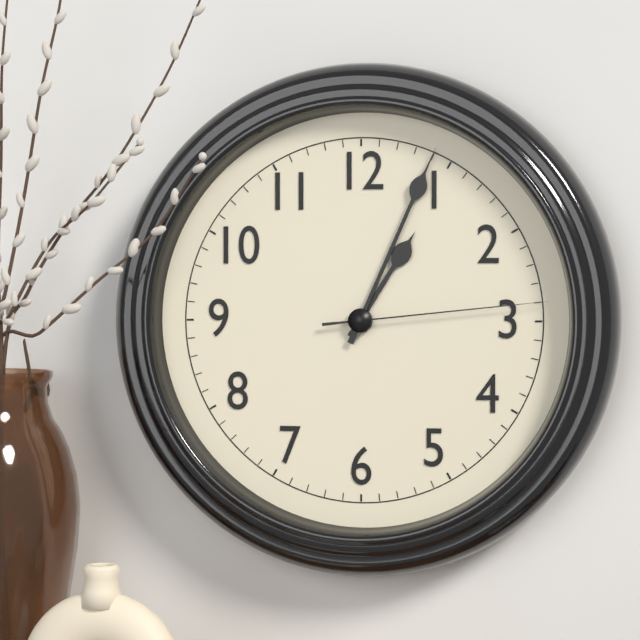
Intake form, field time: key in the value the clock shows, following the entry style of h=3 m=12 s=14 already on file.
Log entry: h=1 m=4 s=14
